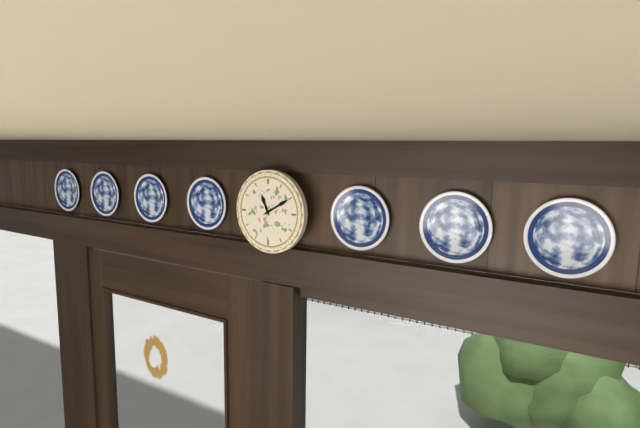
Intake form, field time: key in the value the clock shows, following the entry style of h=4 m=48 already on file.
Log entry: h=11 m=10
